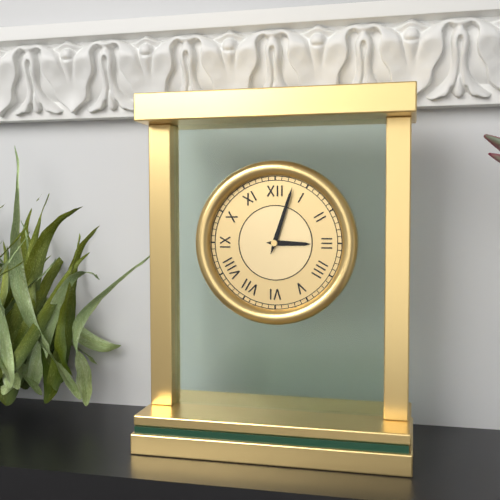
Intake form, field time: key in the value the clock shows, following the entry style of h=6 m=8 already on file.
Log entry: h=3 m=3
